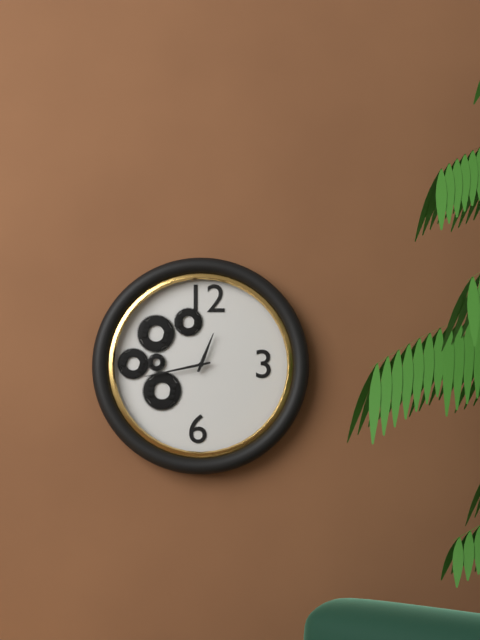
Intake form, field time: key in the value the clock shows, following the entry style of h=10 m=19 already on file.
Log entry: h=12 m=43
